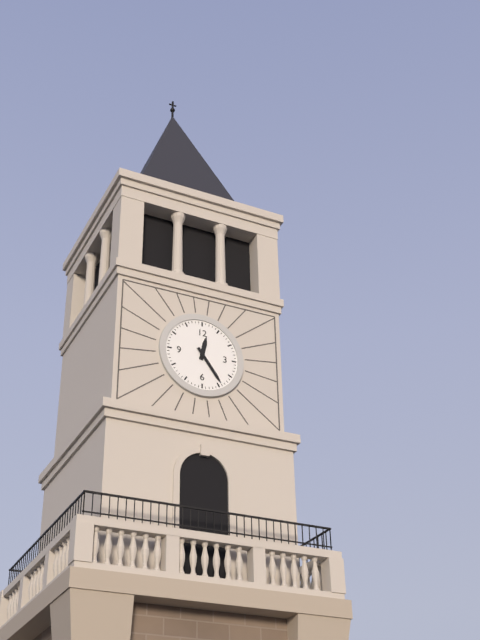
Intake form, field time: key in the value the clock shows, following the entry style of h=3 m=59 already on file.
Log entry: h=12 m=24
